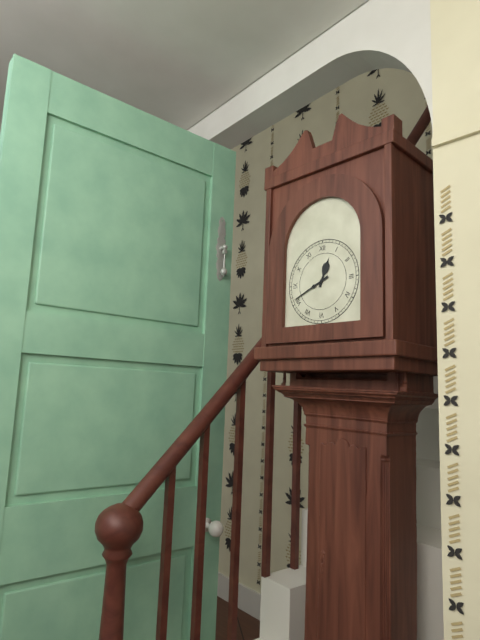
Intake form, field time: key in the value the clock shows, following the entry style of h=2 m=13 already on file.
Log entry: h=12 m=41
